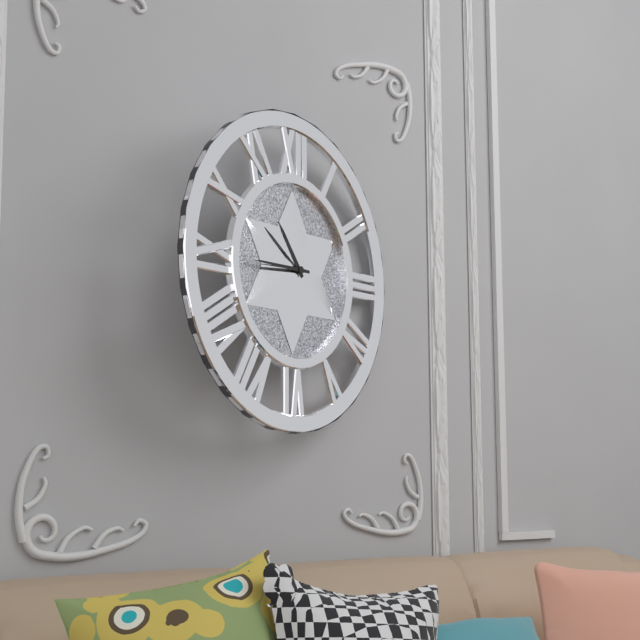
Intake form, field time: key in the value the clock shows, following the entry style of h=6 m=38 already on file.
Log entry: h=10 m=45
